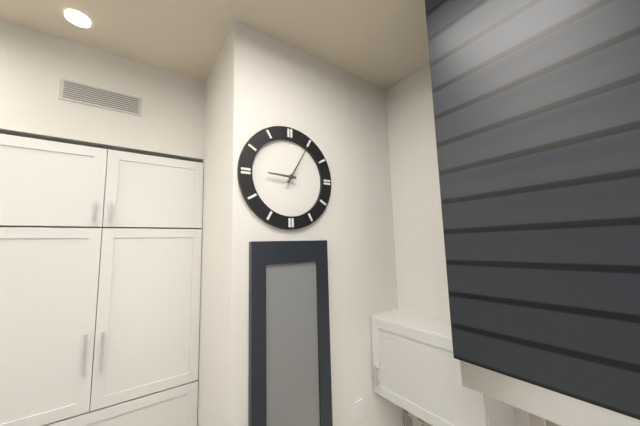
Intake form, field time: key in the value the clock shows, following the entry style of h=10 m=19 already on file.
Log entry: h=9 m=5
